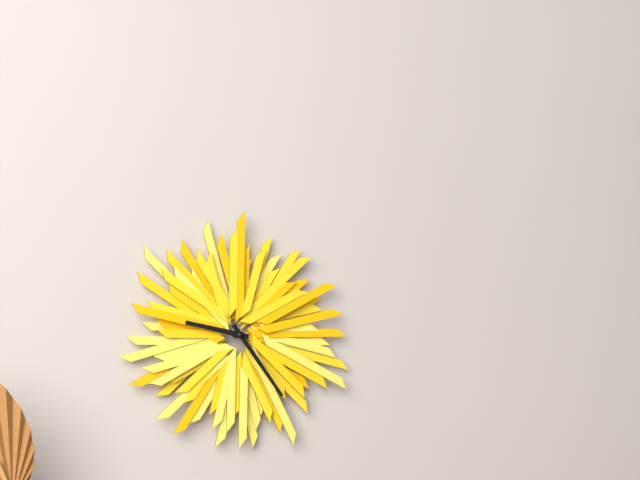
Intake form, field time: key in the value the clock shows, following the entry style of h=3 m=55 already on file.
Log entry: h=9 m=24
